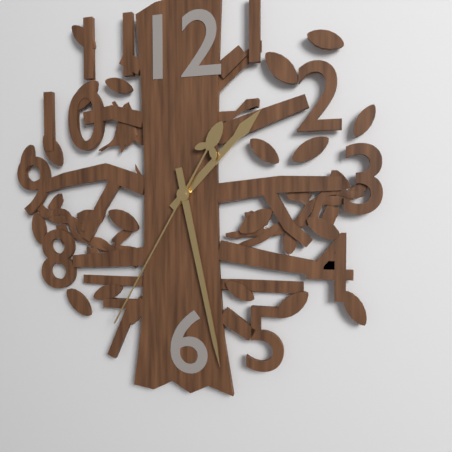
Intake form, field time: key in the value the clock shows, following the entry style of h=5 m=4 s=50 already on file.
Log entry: h=1 m=28 s=35
